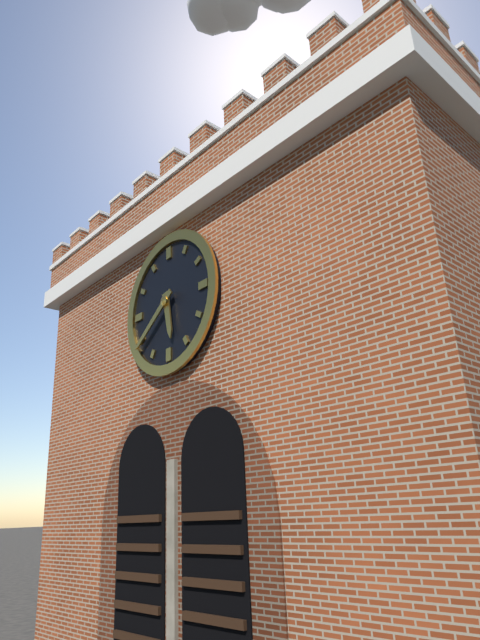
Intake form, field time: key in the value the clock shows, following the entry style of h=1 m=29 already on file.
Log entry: h=5 m=39
